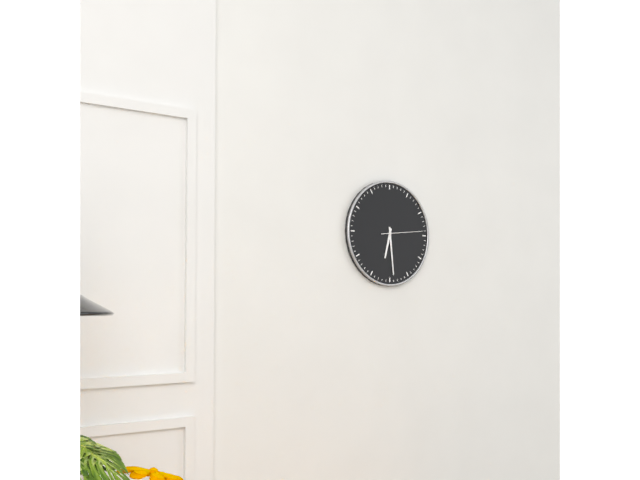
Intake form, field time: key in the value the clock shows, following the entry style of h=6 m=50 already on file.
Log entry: h=6 m=29
